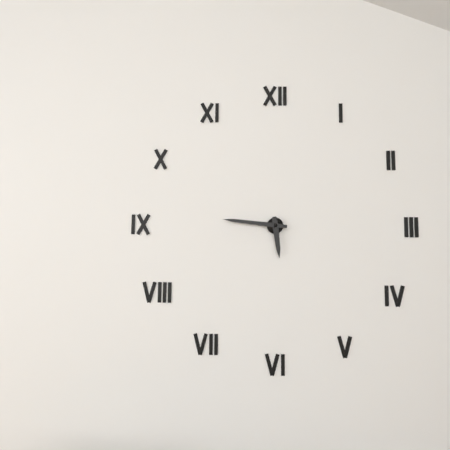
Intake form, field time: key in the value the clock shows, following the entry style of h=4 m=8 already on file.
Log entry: h=5 m=46
